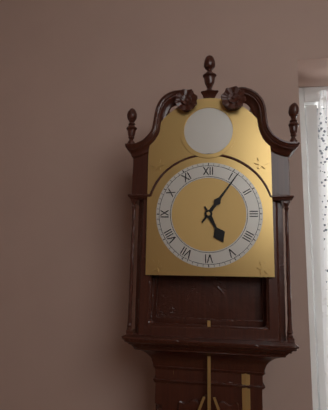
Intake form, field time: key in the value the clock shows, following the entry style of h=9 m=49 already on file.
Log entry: h=5 m=6
